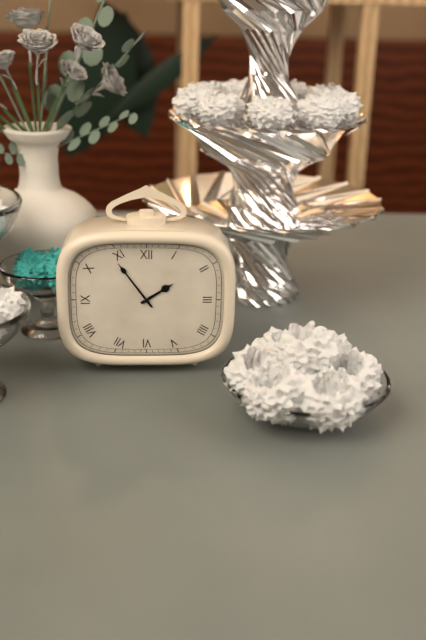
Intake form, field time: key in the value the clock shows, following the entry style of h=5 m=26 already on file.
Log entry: h=1 m=54
